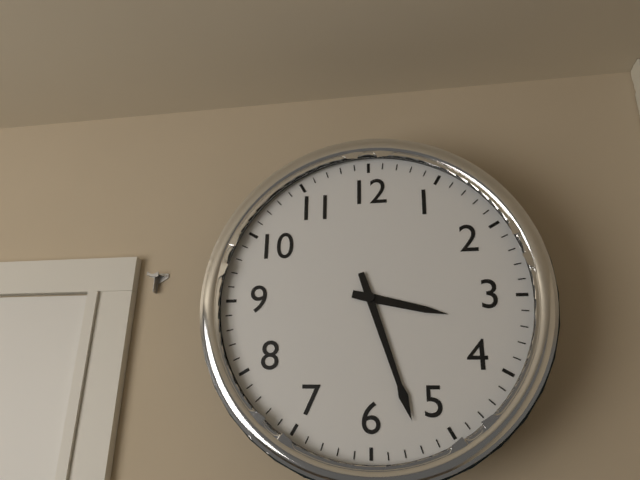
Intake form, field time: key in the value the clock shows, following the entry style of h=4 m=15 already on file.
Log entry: h=3 m=27
